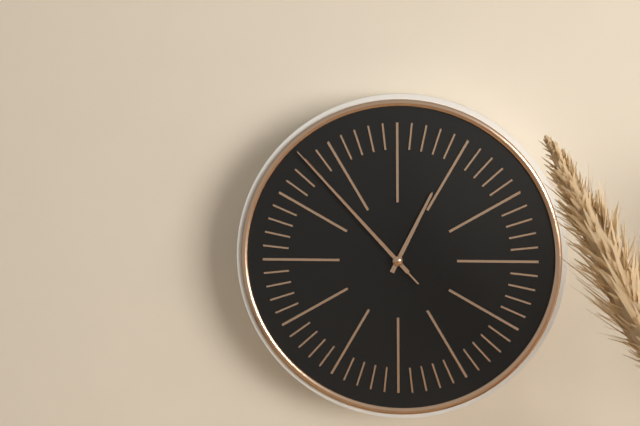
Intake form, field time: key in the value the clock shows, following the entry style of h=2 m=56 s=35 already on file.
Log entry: h=12 m=53 s=53
